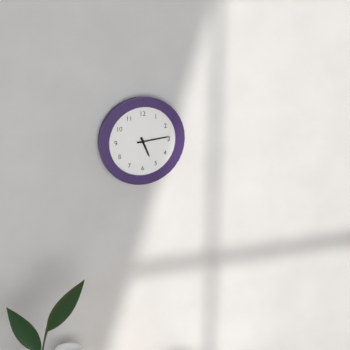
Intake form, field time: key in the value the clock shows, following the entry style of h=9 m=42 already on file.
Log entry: h=5 m=14
